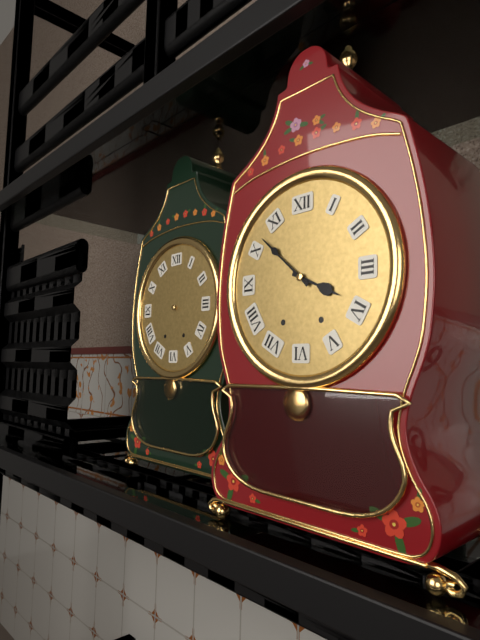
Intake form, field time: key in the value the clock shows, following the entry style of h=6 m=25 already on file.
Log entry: h=3 m=52
